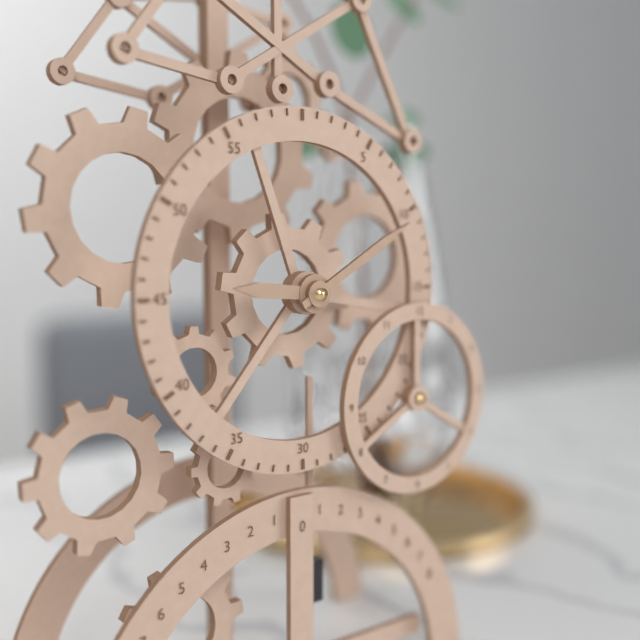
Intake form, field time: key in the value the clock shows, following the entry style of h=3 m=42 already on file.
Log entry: h=9 m=10
